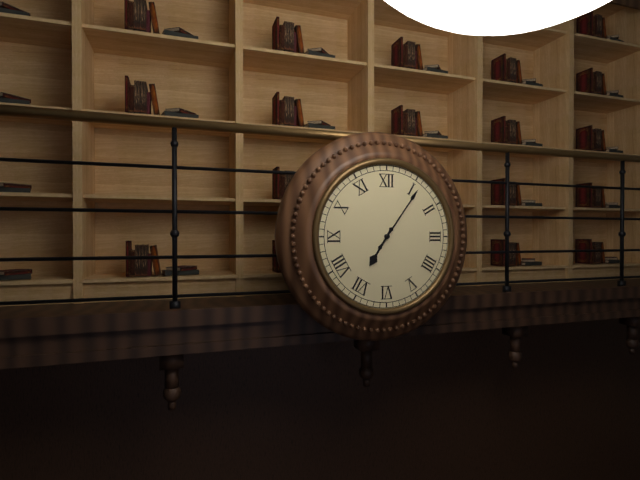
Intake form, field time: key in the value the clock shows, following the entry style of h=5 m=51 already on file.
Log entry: h=7 m=6
